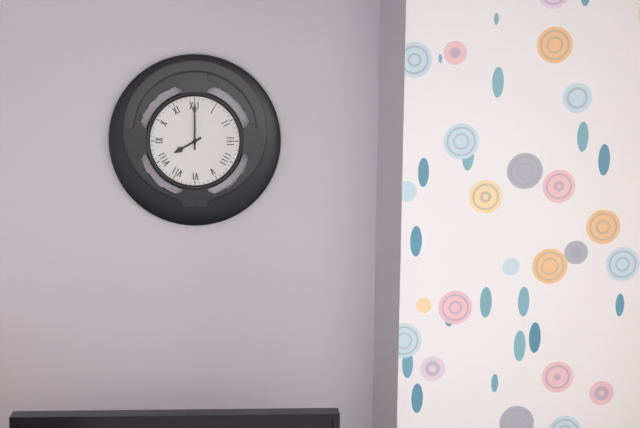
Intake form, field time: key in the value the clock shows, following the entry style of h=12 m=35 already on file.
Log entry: h=8 m=0
